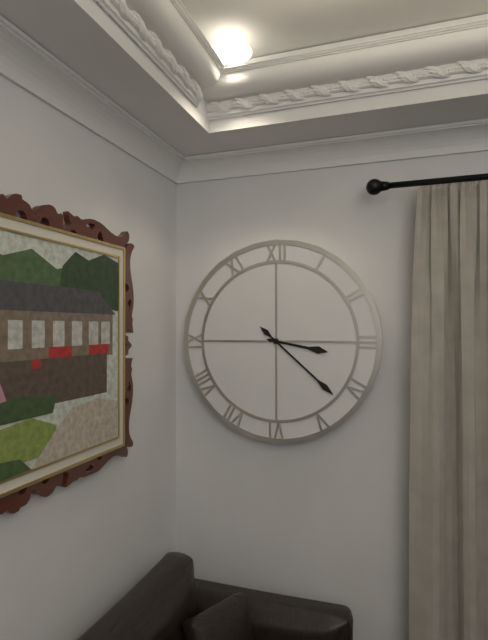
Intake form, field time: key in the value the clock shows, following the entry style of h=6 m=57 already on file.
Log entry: h=3 m=22
